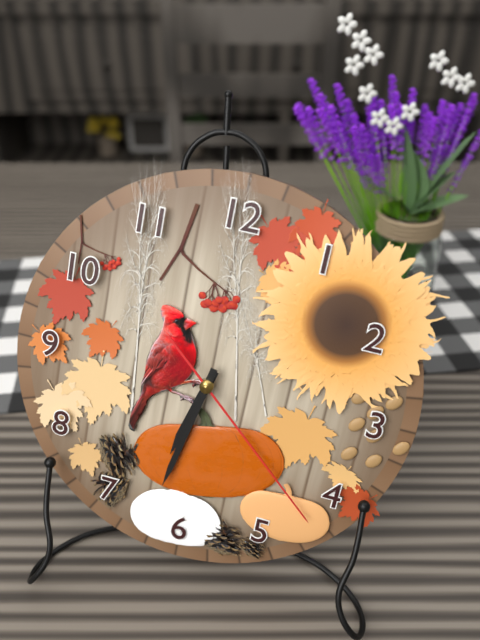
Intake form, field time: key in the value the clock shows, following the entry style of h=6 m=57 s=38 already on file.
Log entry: h=6 m=32 s=22
